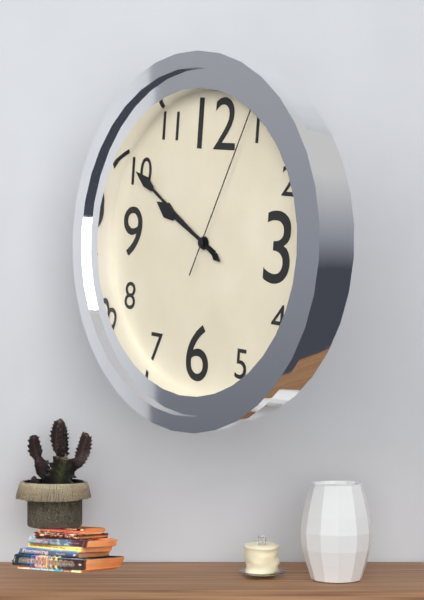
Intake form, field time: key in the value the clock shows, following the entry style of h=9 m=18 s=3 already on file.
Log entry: h=9 m=50 s=4
